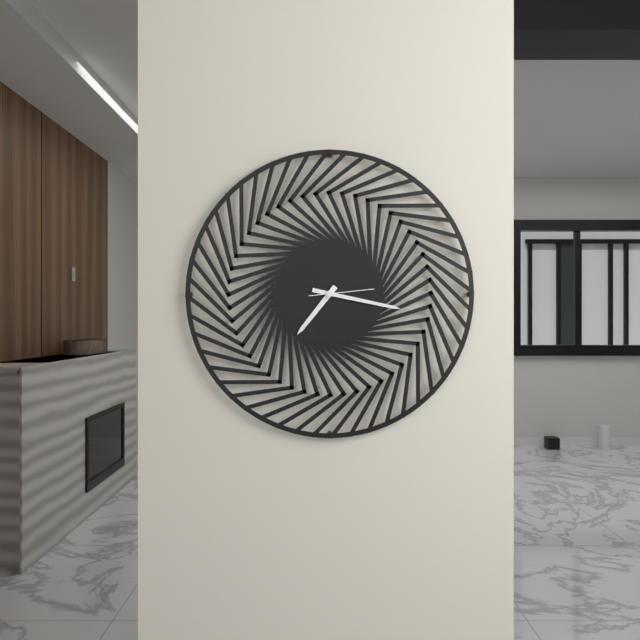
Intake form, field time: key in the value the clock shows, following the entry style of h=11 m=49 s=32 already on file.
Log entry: h=7 m=17 s=14
